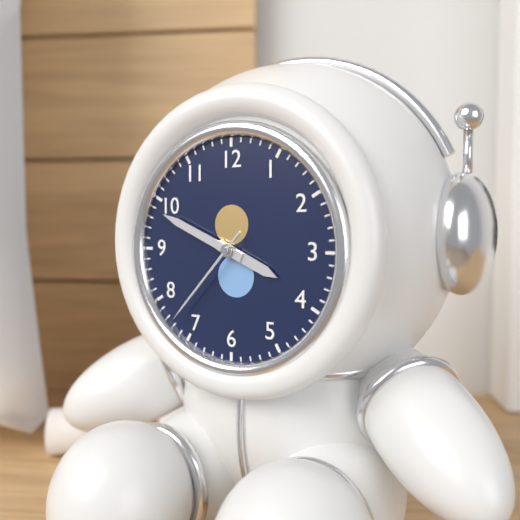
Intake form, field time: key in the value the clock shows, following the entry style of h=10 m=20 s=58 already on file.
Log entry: h=3 m=49 s=37
